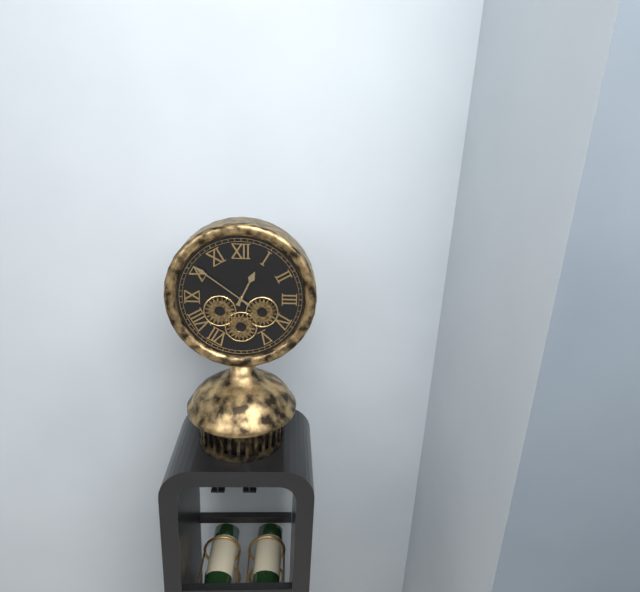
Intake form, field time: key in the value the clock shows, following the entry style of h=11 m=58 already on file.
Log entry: h=12 m=51
